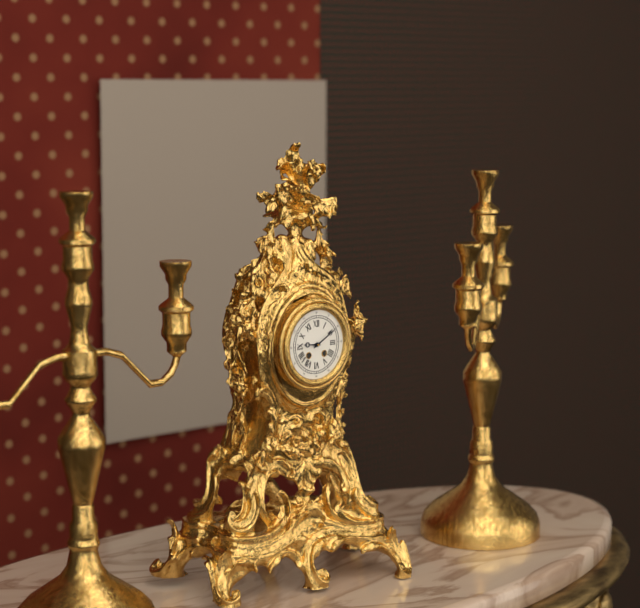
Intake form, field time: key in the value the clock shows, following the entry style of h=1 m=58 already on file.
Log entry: h=9 m=10
